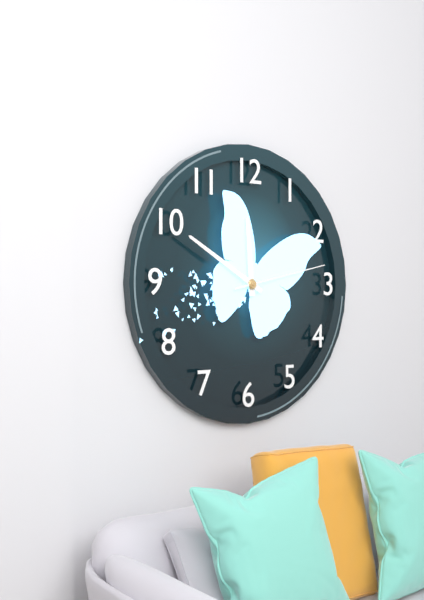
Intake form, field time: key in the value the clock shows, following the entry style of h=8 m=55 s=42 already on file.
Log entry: h=11 m=50 s=13
